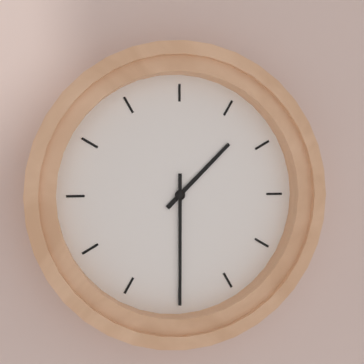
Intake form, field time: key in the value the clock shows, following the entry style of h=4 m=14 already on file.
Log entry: h=1 m=30
